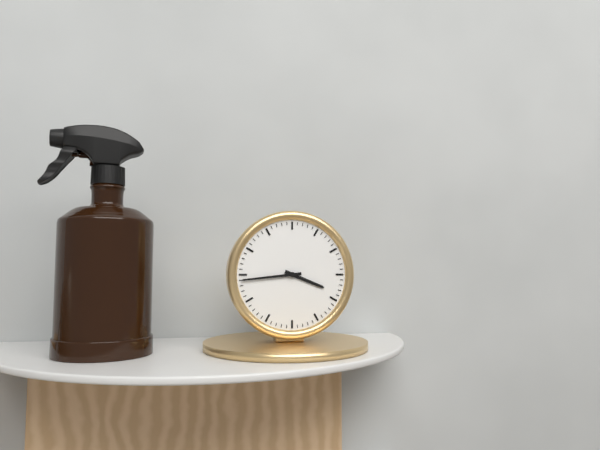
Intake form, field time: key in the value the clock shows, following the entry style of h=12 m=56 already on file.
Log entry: h=3 m=44
